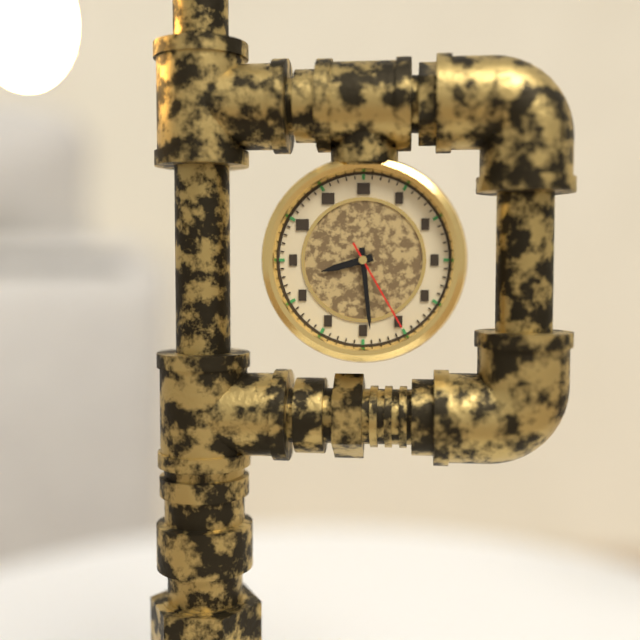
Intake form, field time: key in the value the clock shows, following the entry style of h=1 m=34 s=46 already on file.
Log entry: h=8 m=29 s=25
